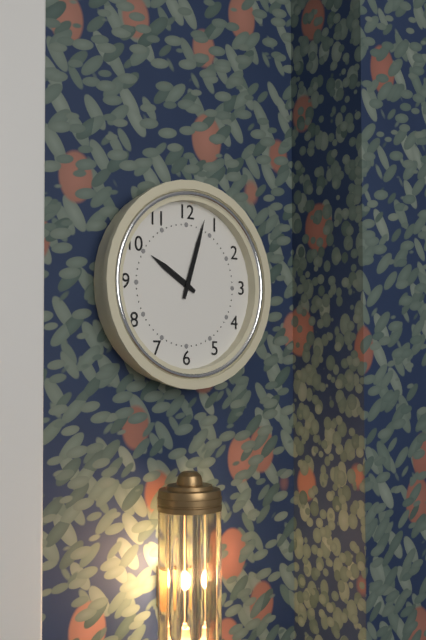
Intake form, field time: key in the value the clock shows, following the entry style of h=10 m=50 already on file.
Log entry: h=10 m=3
